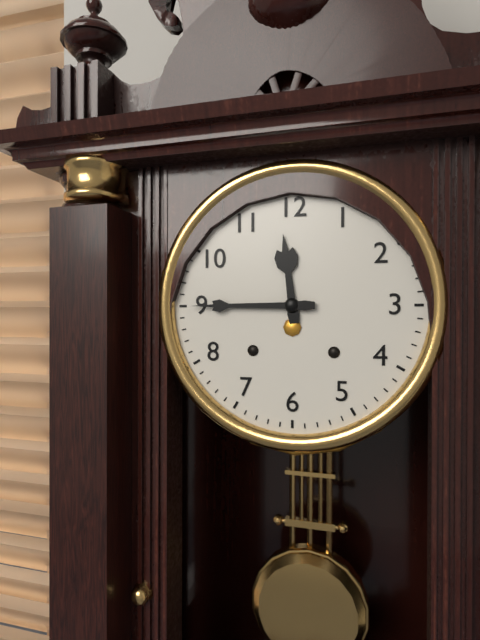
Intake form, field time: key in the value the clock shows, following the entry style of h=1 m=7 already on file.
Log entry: h=11 m=45
